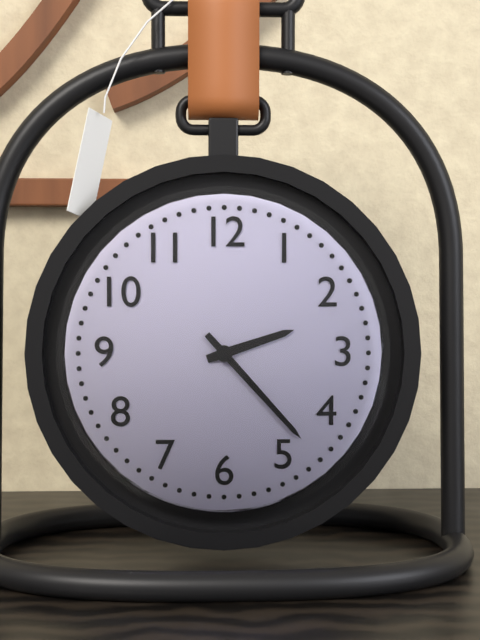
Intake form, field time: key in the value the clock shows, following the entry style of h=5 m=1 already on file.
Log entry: h=2 m=23
